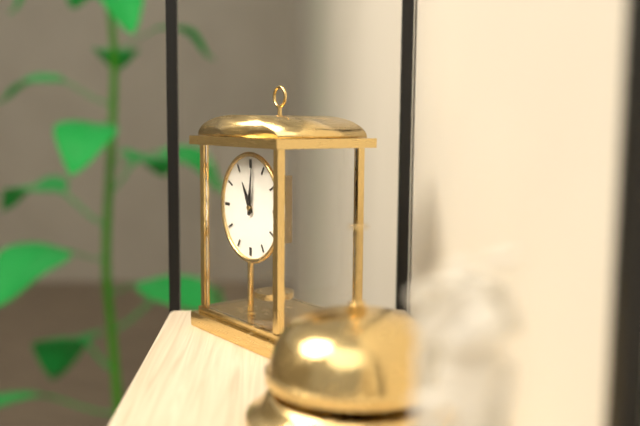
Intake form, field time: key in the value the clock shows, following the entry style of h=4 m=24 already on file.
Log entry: h=11 m=1
